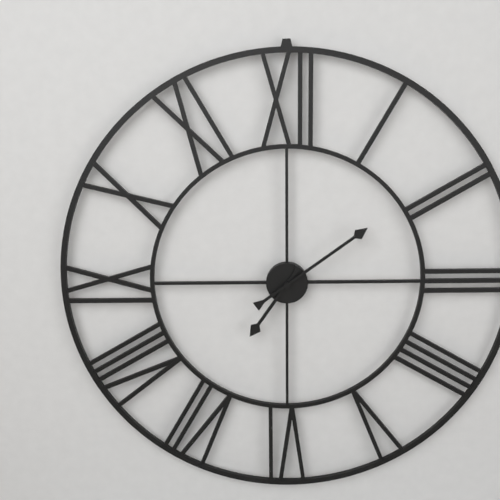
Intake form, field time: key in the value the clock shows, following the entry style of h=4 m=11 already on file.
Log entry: h=7 m=9
